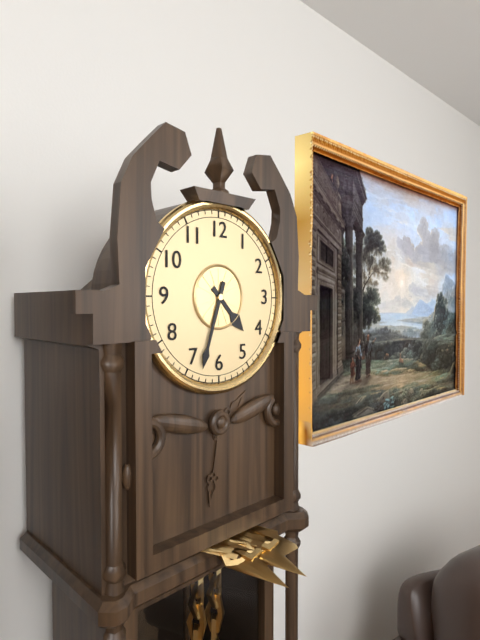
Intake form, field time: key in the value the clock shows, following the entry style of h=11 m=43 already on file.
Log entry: h=4 m=33
